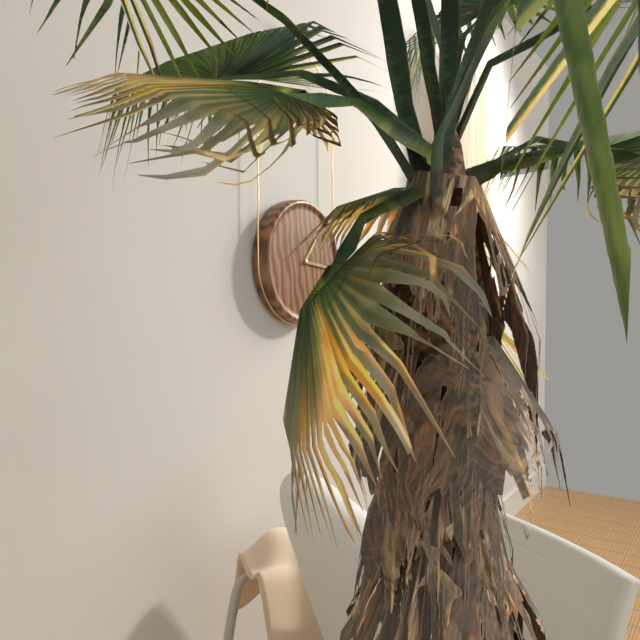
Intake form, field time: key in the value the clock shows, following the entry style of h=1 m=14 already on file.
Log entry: h=1 m=16
